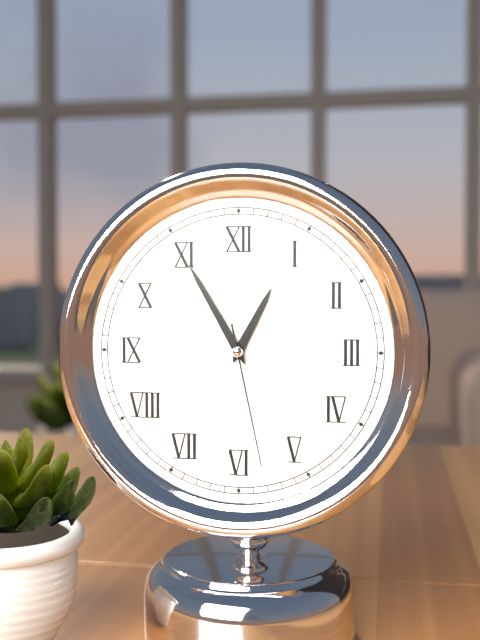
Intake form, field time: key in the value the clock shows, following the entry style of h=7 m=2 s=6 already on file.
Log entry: h=12 m=55 s=28
